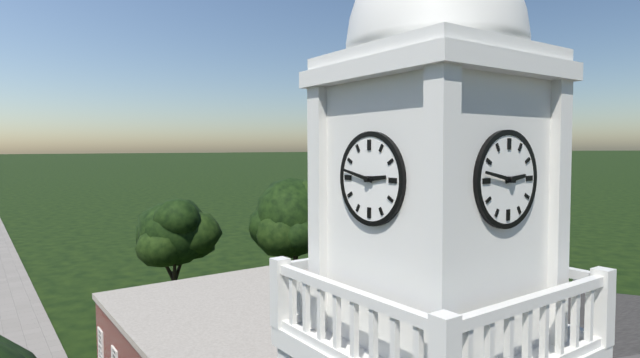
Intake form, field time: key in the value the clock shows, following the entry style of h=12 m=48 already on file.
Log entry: h=2 m=47
